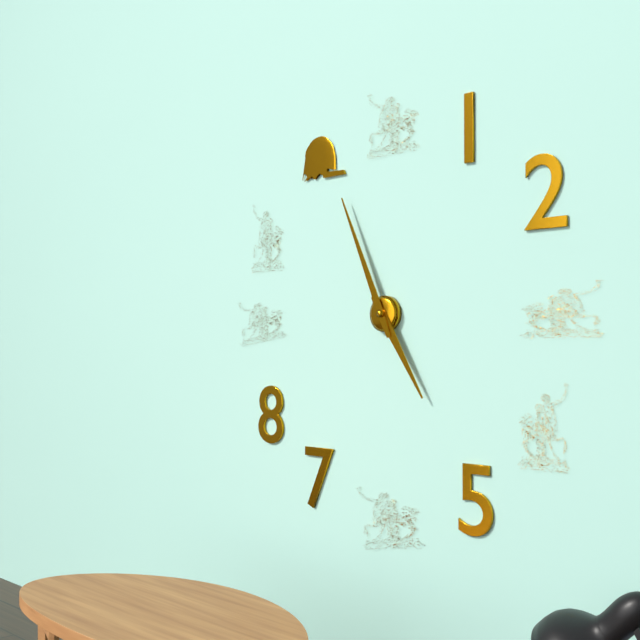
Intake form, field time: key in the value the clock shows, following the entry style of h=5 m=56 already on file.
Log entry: h=4 m=56
